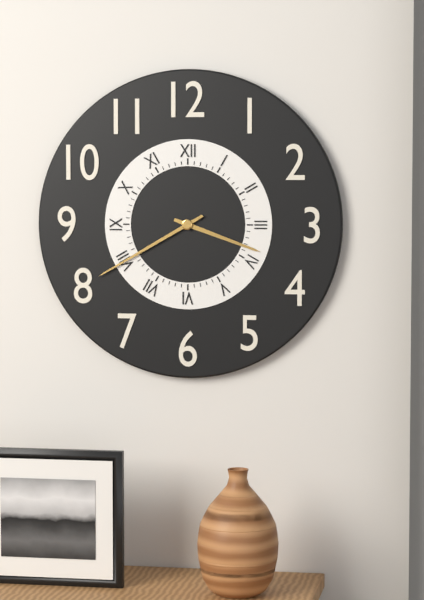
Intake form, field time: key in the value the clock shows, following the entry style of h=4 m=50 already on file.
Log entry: h=3 m=40
